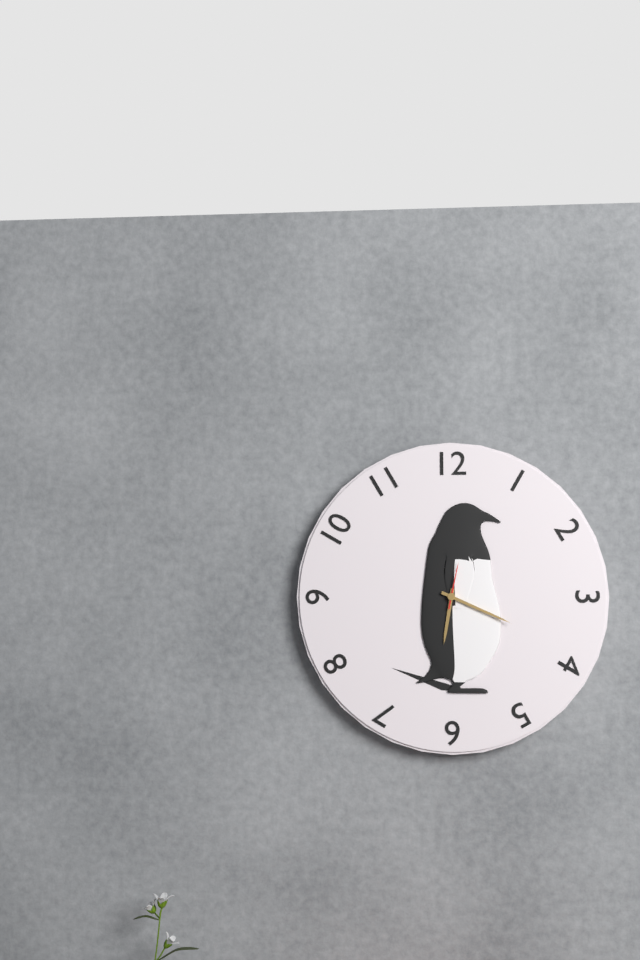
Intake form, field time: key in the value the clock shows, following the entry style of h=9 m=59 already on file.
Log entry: h=6 m=19
